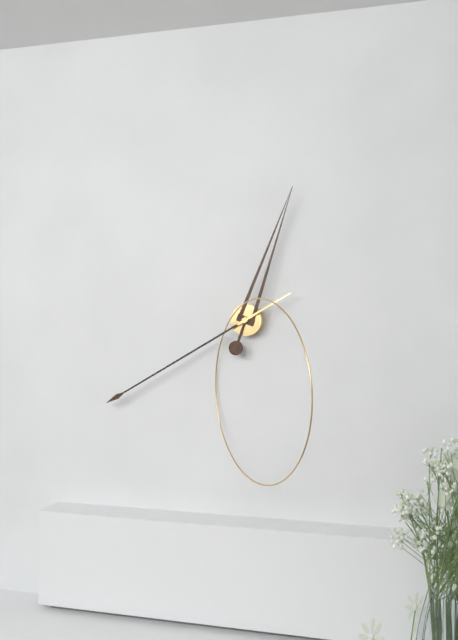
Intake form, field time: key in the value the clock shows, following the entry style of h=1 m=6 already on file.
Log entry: h=12 m=40
